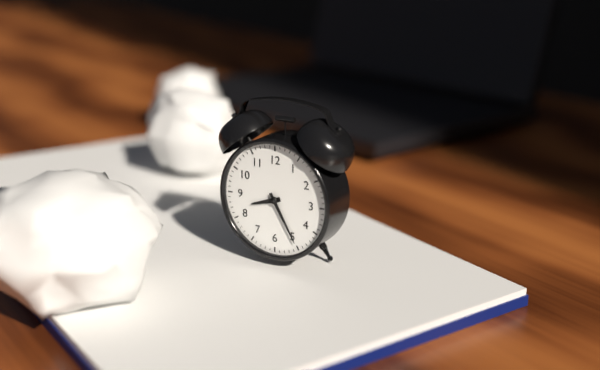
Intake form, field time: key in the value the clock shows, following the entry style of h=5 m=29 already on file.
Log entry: h=8 m=25
